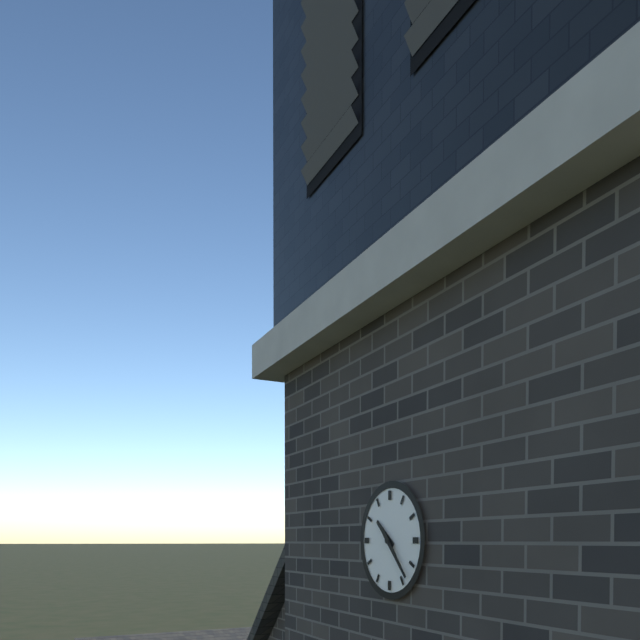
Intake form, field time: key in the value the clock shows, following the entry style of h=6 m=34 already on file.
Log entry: h=10 m=23
